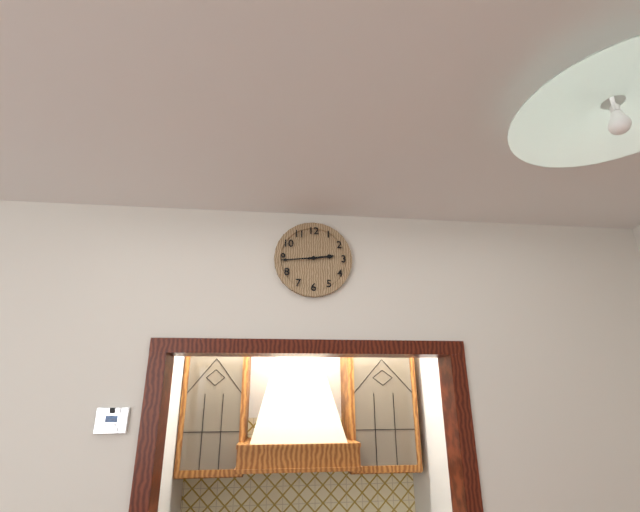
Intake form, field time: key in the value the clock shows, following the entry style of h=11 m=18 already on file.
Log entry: h=2 m=44
